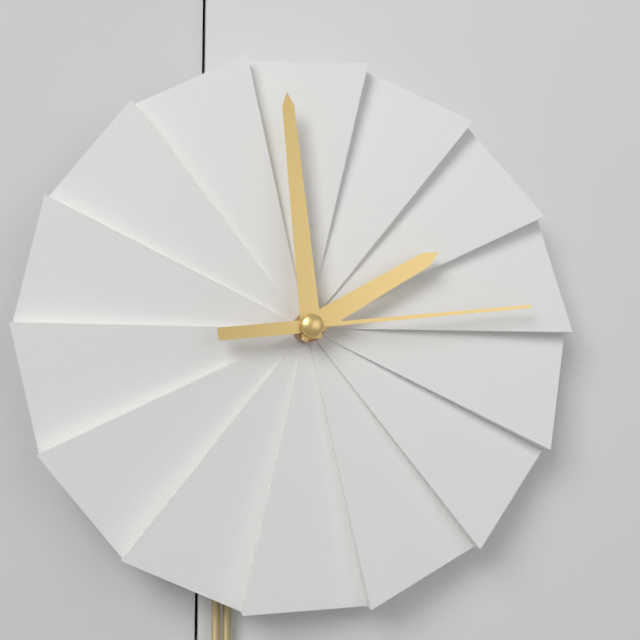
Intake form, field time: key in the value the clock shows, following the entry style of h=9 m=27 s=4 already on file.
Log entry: h=1 m=59 s=14
